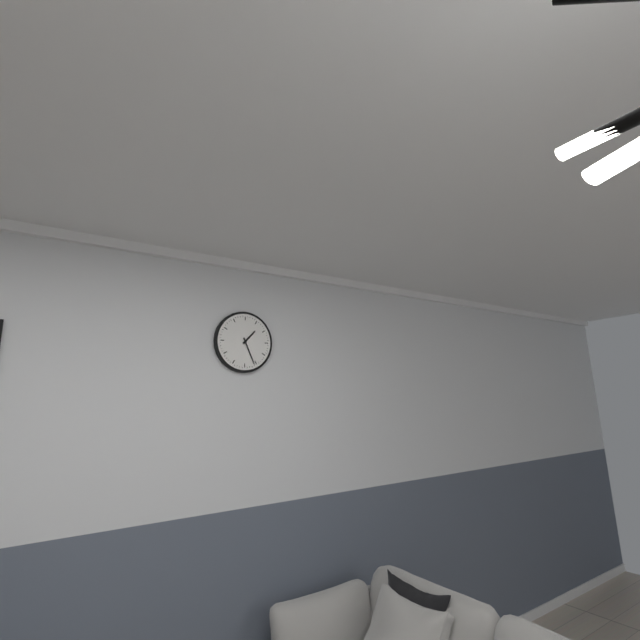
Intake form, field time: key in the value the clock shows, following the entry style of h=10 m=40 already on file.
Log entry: h=1 m=26
